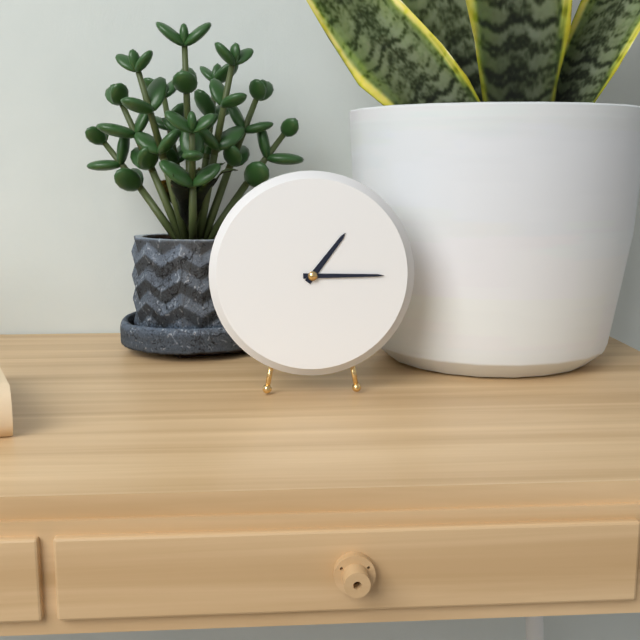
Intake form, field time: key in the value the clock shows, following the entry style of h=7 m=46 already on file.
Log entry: h=1 m=15
